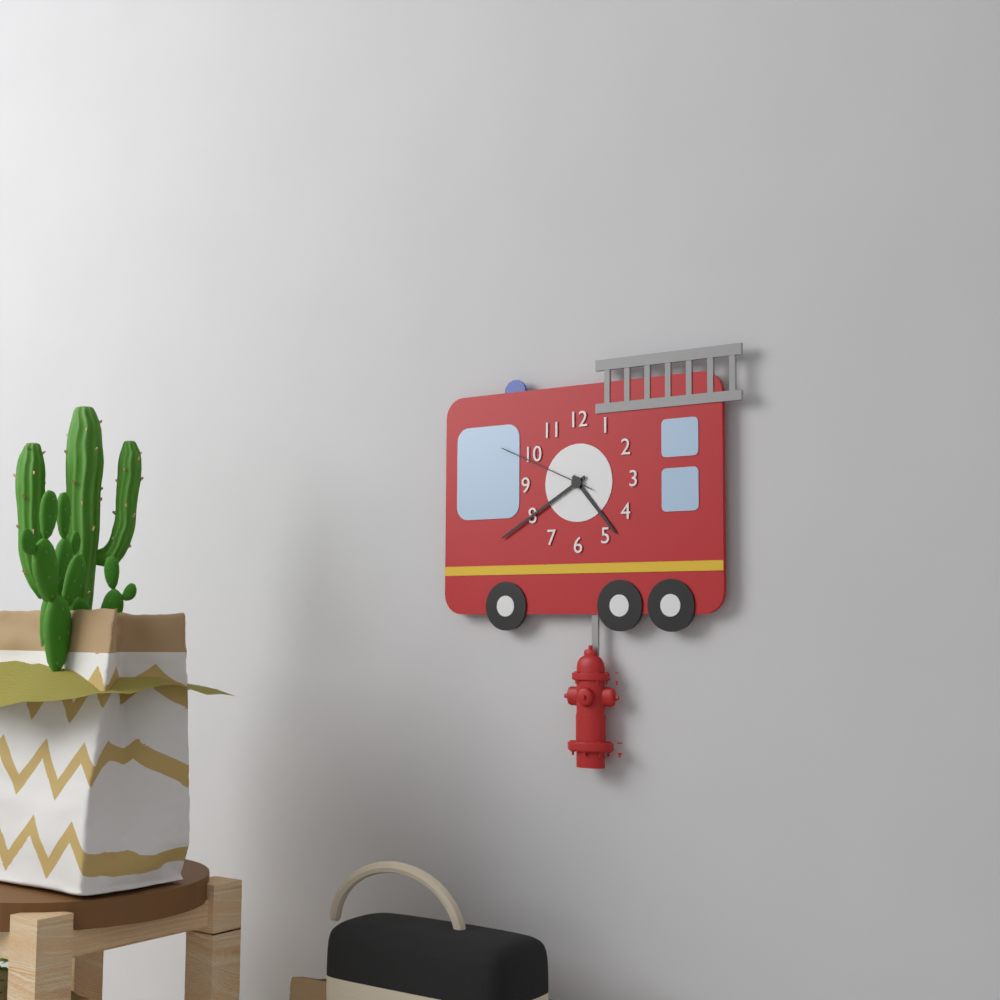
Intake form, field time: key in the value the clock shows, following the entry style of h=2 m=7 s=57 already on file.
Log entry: h=4 m=40 s=49
